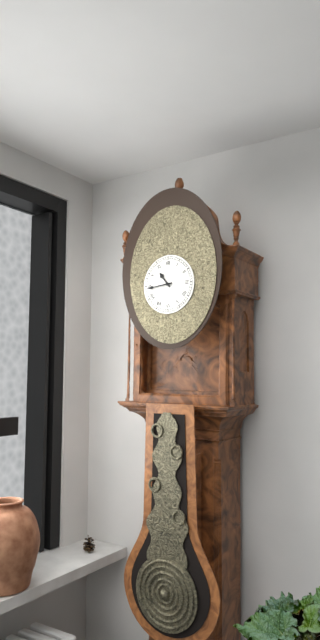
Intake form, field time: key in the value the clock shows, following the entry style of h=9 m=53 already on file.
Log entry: h=10 m=44
